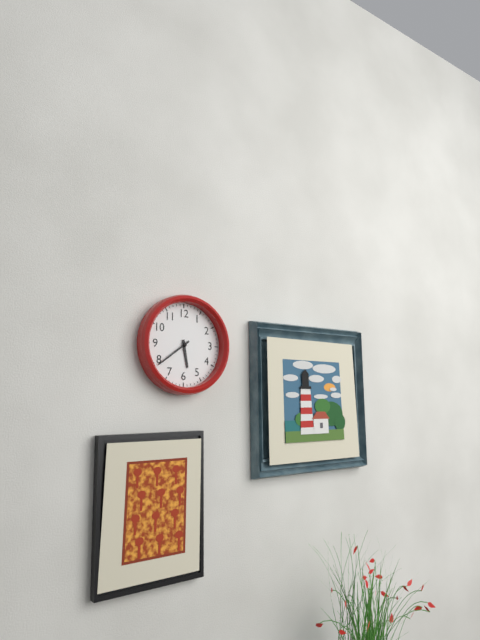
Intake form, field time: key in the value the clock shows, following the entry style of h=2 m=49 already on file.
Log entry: h=5 m=39
